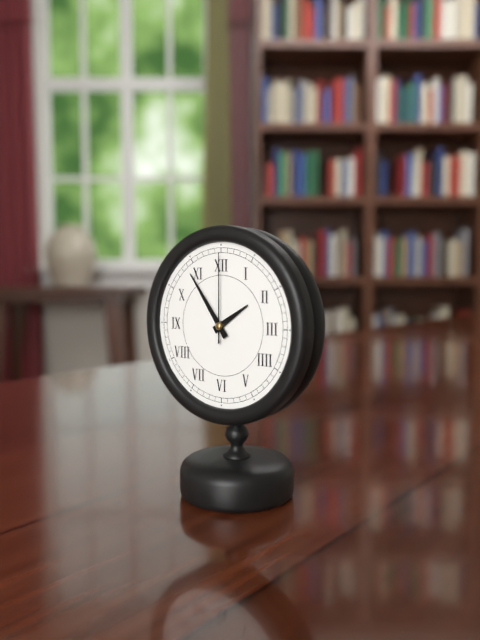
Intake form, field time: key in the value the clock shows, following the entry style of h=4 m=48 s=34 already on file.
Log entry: h=1 m=54 s=0
